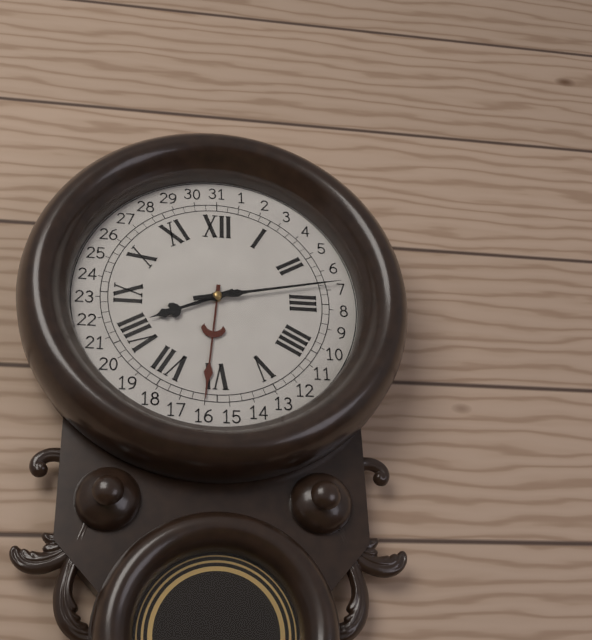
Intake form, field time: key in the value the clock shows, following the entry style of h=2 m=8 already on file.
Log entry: h=8 m=13
